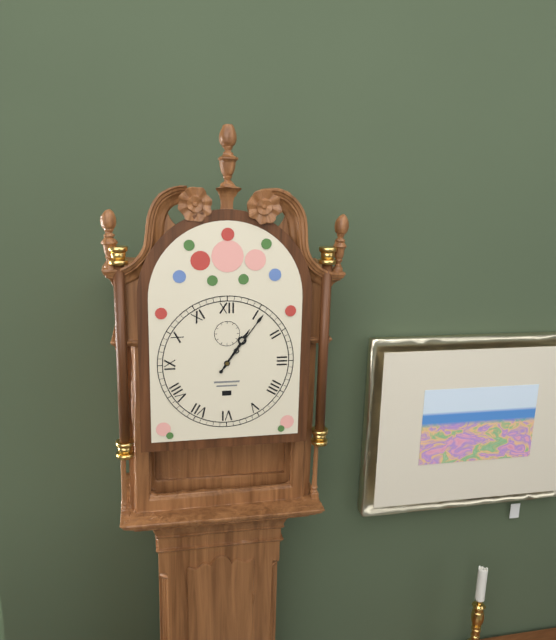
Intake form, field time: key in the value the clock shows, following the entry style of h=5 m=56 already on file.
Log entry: h=1 m=6
